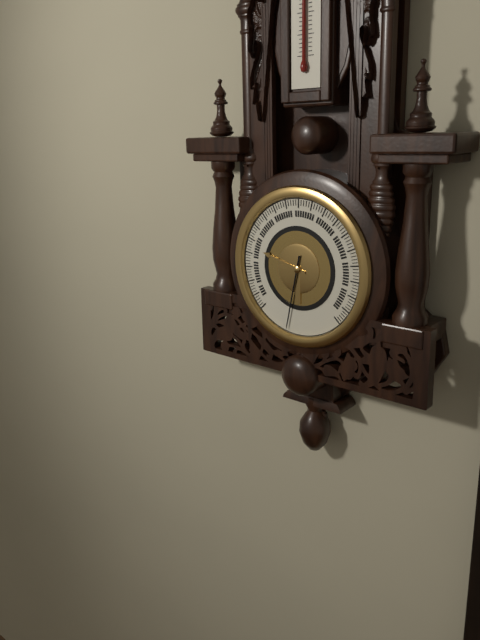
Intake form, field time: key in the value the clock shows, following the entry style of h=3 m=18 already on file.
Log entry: h=9 m=32
